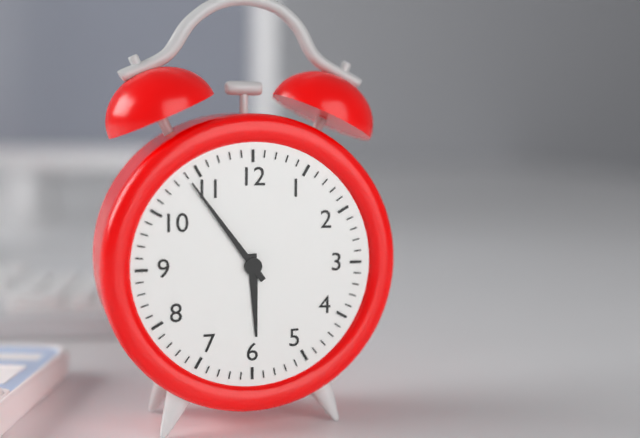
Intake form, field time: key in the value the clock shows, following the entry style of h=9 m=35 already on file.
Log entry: h=5 m=54
